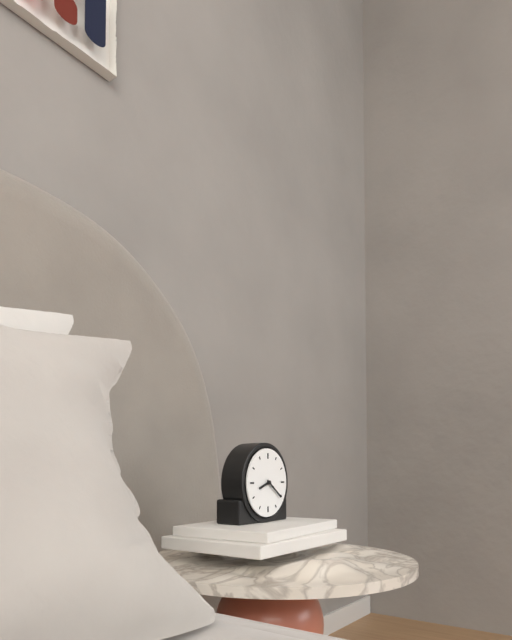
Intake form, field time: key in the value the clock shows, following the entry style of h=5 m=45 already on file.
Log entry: h=8 m=21
